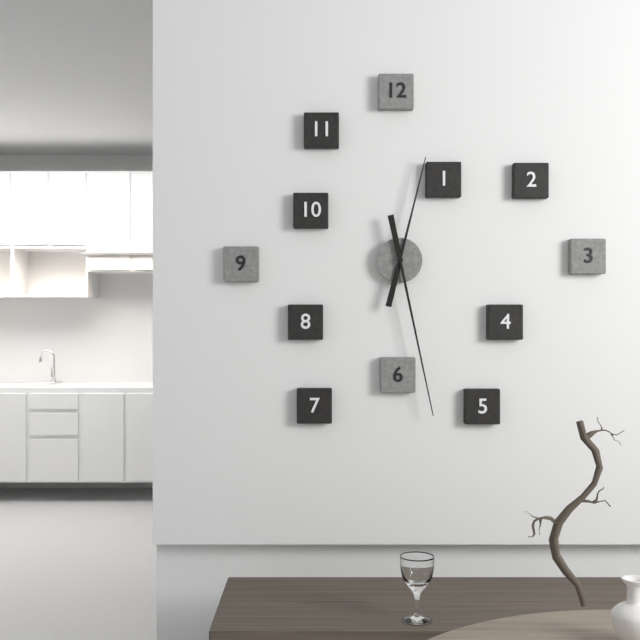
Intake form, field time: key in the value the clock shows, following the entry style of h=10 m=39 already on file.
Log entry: h=12 m=28
